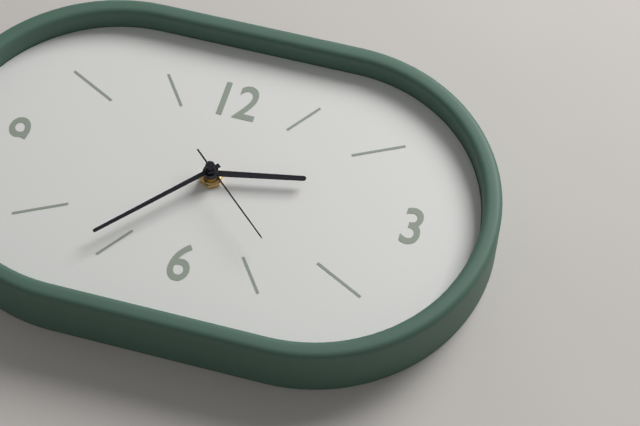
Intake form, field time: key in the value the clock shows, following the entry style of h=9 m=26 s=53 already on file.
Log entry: h=2 m=37 s=22
